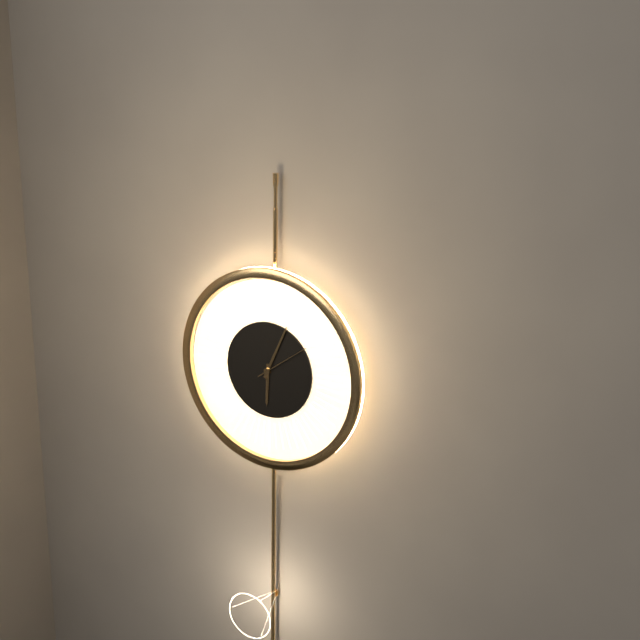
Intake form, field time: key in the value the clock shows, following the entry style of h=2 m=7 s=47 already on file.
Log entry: h=6 m=4 s=9
